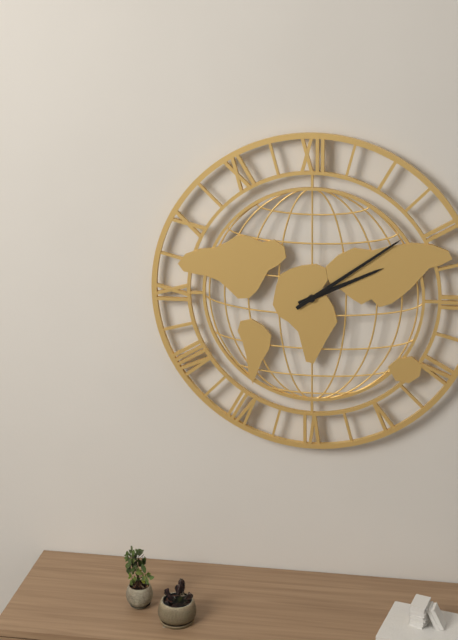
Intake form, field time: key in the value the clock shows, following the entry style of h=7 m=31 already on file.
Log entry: h=2 m=9
